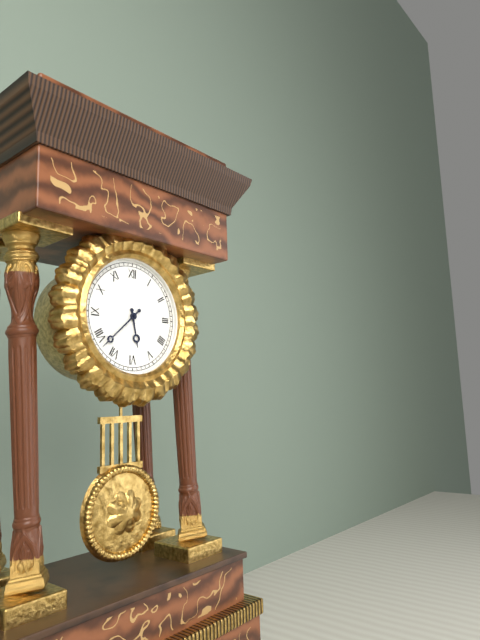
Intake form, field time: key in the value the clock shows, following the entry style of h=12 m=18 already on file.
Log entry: h=5 m=38
